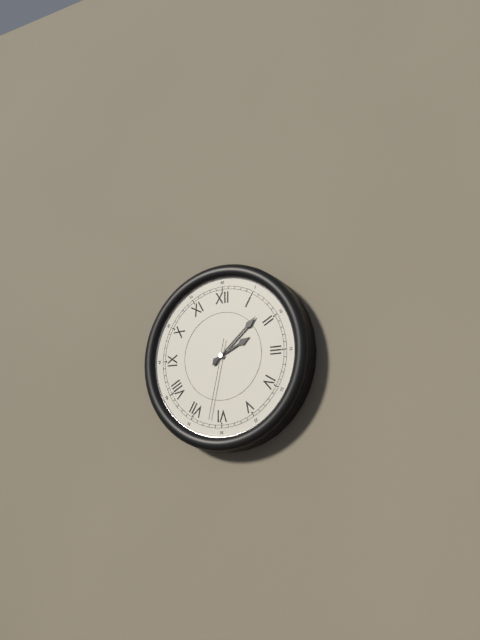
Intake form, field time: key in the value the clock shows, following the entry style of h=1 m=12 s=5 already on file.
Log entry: h=2 m=8 s=32
